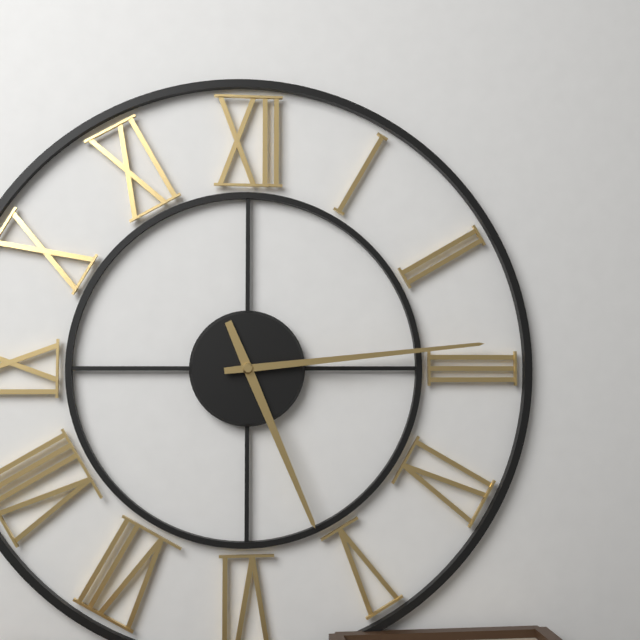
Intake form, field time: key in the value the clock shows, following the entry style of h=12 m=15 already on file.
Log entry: h=5 m=14
